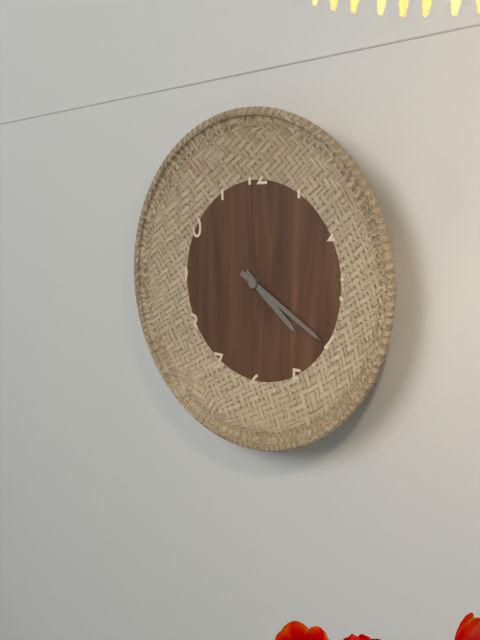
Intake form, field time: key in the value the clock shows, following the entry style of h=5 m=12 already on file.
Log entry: h=4 m=20
